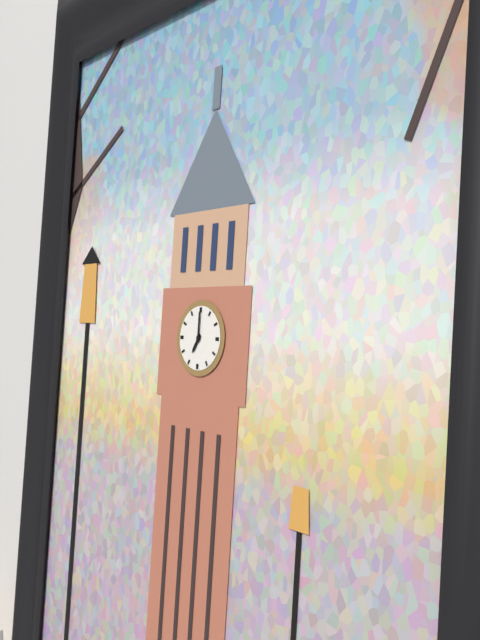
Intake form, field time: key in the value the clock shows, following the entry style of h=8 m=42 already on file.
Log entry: h=7 m=0
